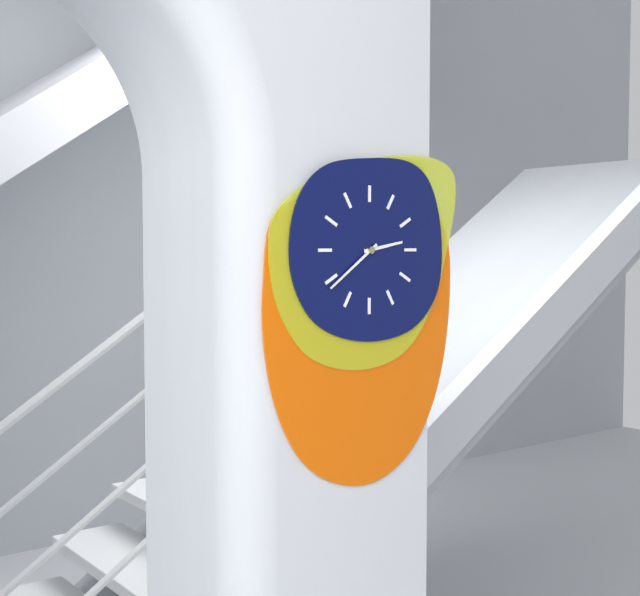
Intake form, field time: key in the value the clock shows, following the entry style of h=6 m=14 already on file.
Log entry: h=2 m=39
